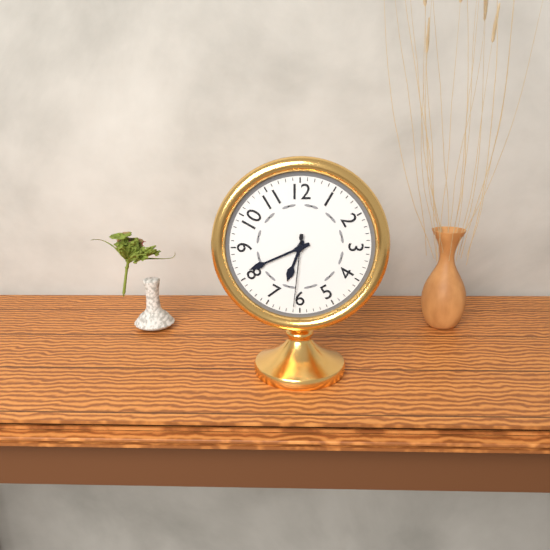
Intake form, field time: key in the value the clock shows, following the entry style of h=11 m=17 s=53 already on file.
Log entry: h=6 m=41 s=31
